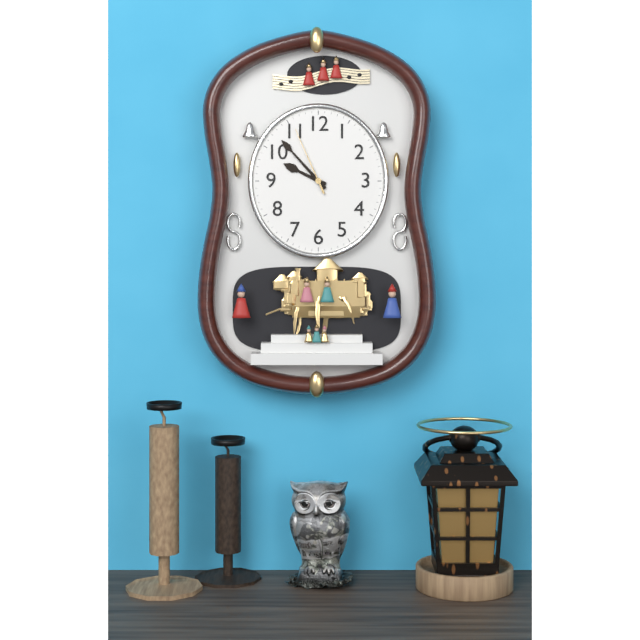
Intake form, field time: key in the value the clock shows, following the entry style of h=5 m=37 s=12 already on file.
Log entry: h=9 m=53 s=56
